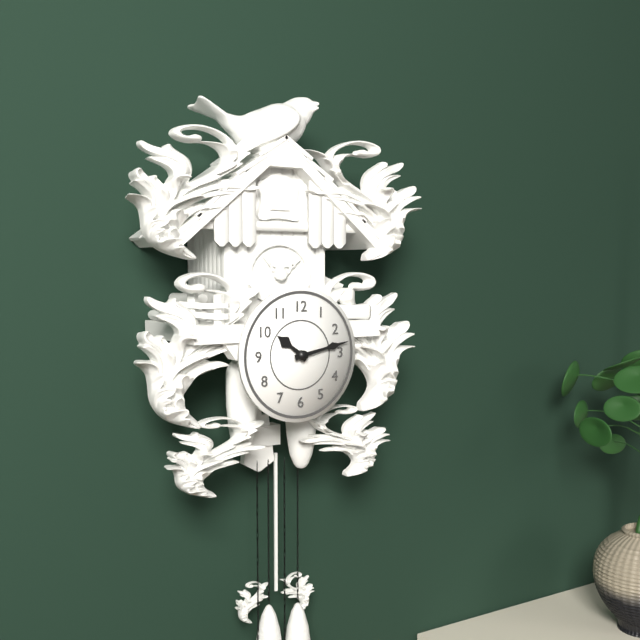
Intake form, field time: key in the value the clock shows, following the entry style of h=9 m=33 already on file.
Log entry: h=10 m=13
